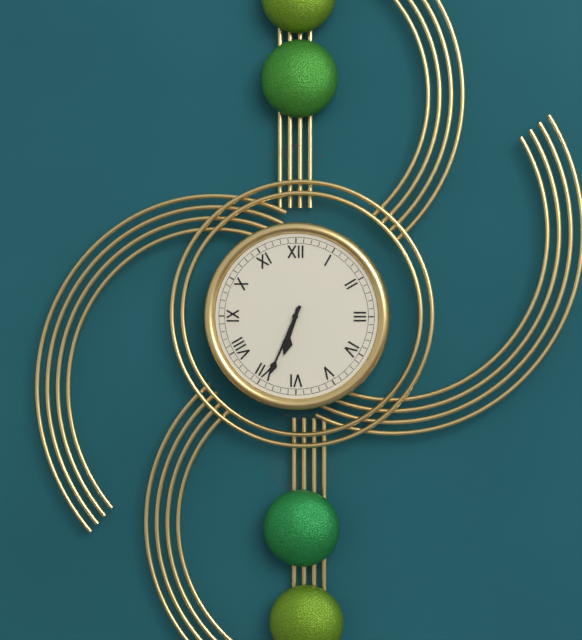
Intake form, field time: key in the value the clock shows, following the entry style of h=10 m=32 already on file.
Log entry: h=6 m=34
